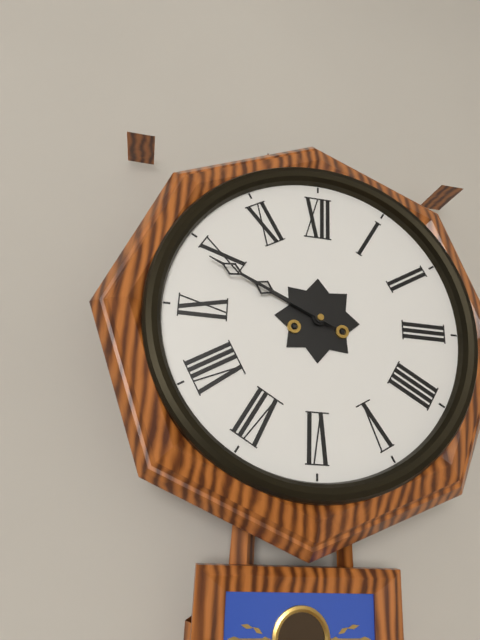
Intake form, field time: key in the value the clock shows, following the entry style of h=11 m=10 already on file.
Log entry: h=9 m=49
